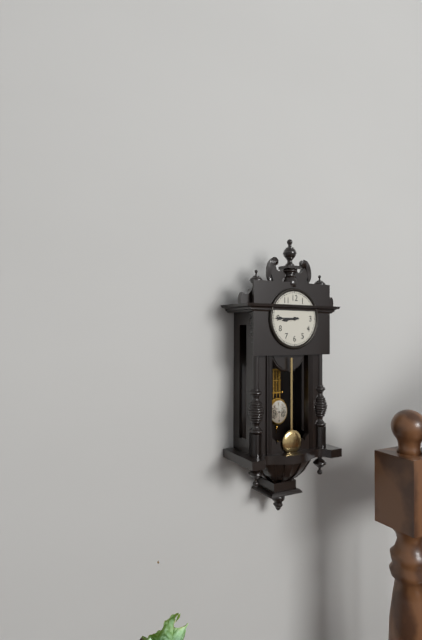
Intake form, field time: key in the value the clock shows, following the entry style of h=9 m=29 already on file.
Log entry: h=8 m=45
